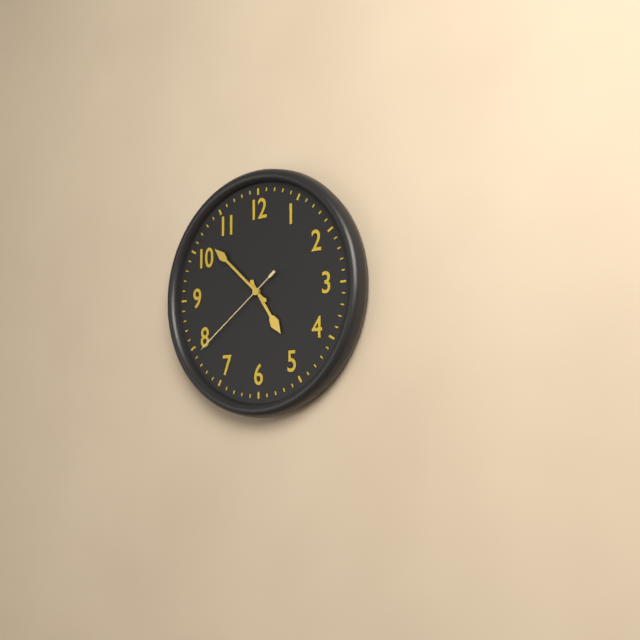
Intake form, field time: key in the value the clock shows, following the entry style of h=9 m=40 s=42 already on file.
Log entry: h=4 m=52 s=39
